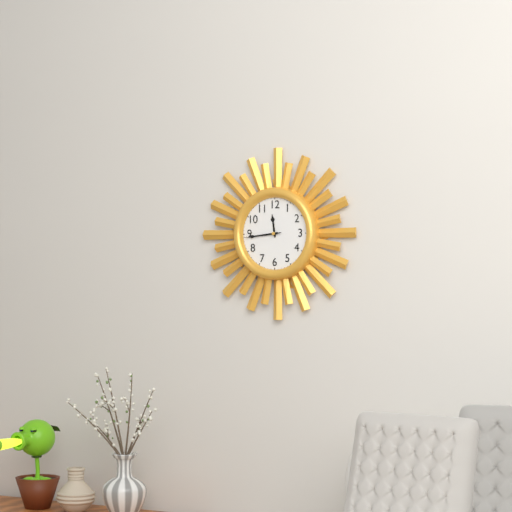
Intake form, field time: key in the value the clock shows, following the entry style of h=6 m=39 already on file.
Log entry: h=11 m=44
